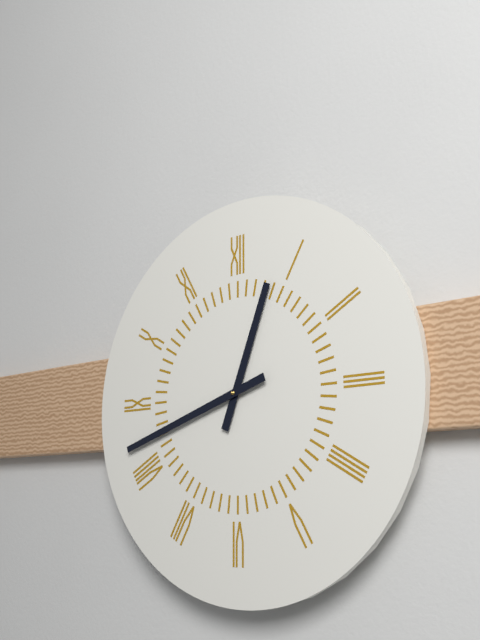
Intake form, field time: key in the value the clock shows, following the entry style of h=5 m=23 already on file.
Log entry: h=12 m=42
